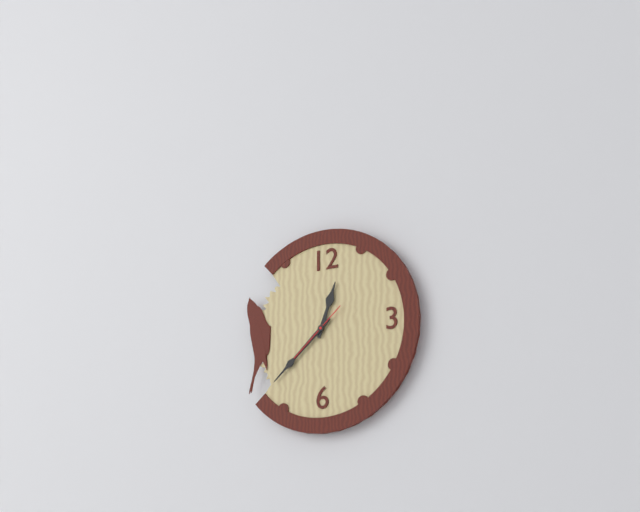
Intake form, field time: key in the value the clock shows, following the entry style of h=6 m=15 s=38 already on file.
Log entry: h=12 m=38 s=38
